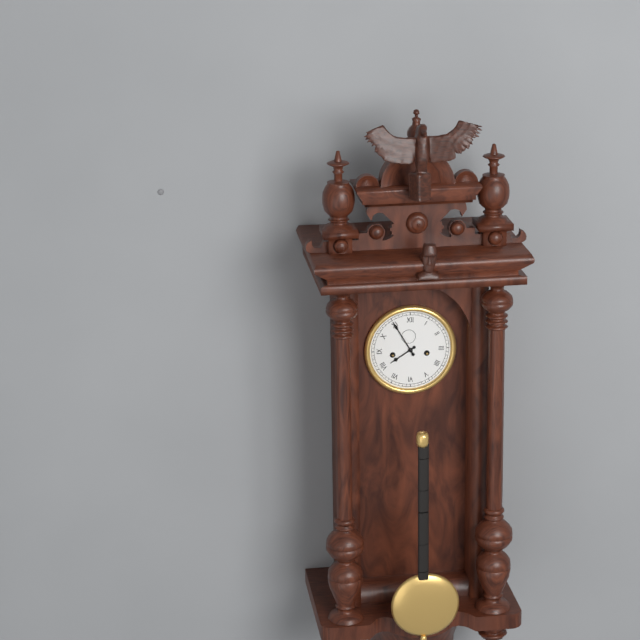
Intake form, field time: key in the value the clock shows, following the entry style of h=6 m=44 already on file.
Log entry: h=7 m=55
